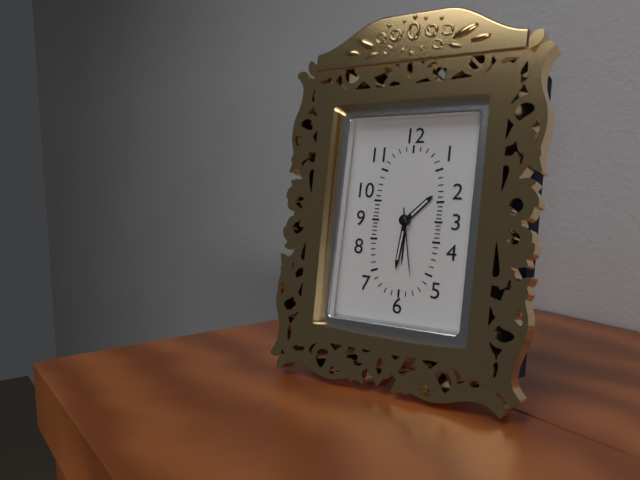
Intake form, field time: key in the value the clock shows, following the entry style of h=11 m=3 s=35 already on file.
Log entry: h=1 m=31 s=28
